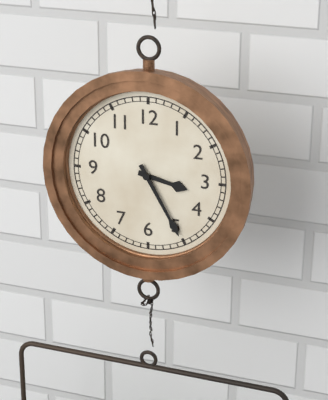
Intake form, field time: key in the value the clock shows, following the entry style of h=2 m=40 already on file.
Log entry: h=3 m=25
